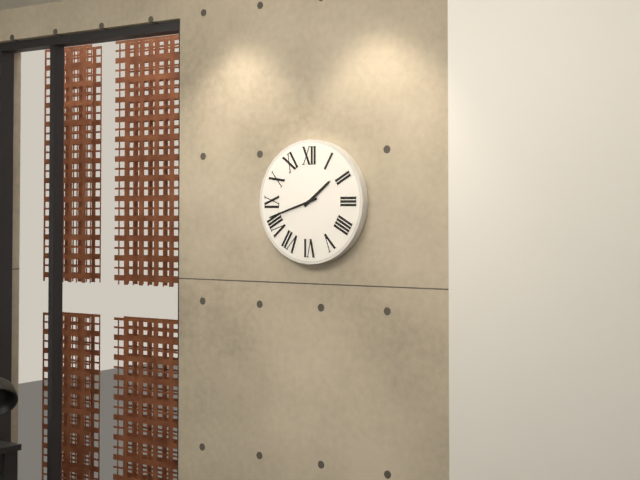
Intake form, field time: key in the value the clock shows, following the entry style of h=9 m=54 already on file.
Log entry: h=1 m=42
